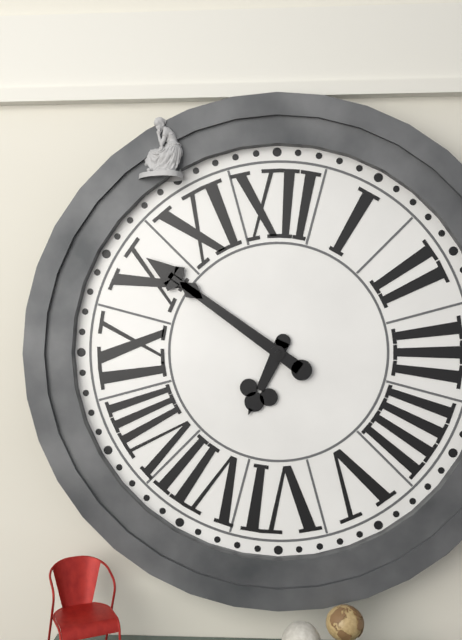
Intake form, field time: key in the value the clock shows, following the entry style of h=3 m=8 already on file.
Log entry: h=6 m=51
